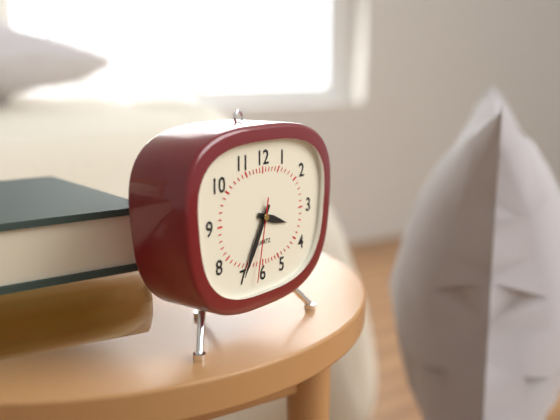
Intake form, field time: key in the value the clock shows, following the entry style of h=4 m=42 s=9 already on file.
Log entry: h=3 m=35 s=32
